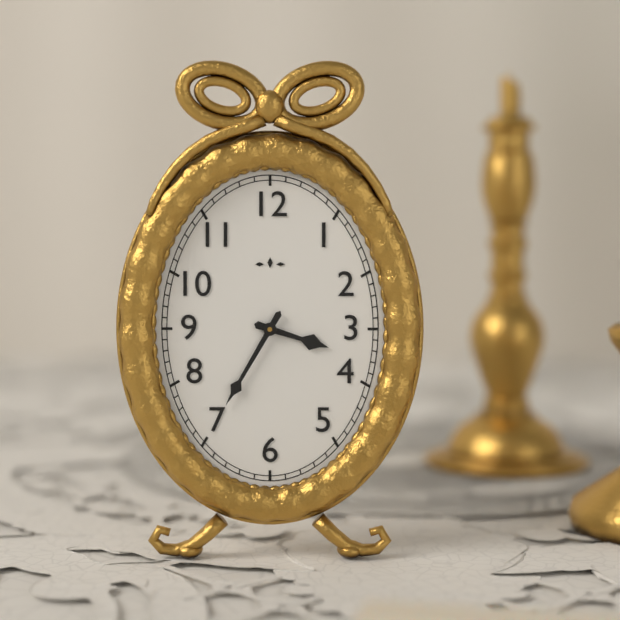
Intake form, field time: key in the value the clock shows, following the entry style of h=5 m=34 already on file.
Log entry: h=3 m=35
